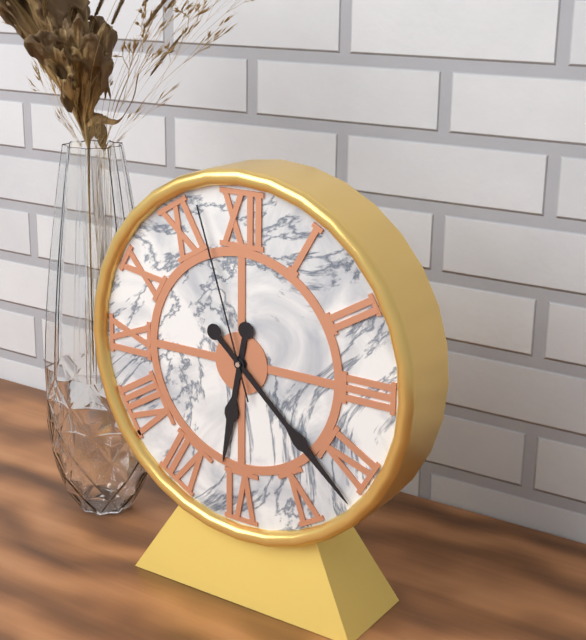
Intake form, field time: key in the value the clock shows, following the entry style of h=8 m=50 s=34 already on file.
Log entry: h=6 m=22 s=57
